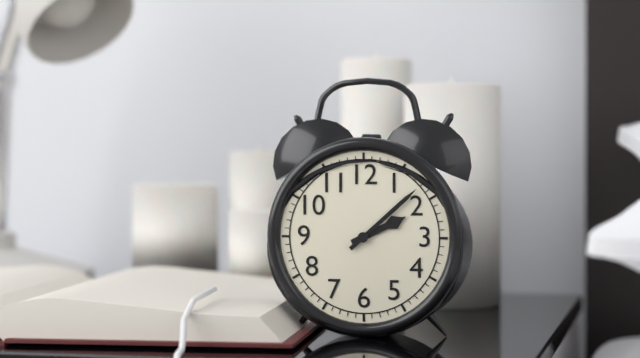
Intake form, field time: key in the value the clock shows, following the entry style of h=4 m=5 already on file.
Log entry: h=2 m=8
